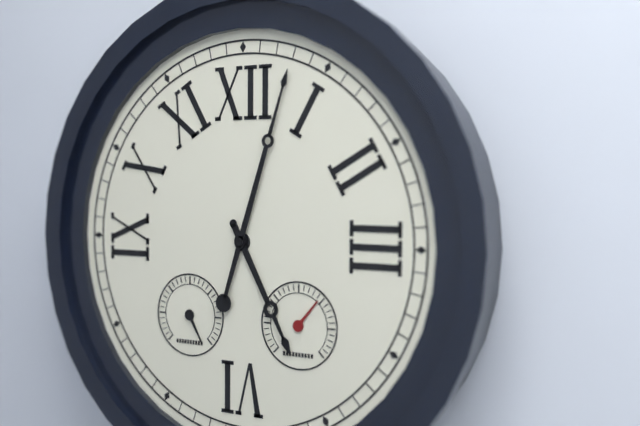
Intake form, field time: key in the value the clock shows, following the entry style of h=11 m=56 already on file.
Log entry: h=5 m=3
